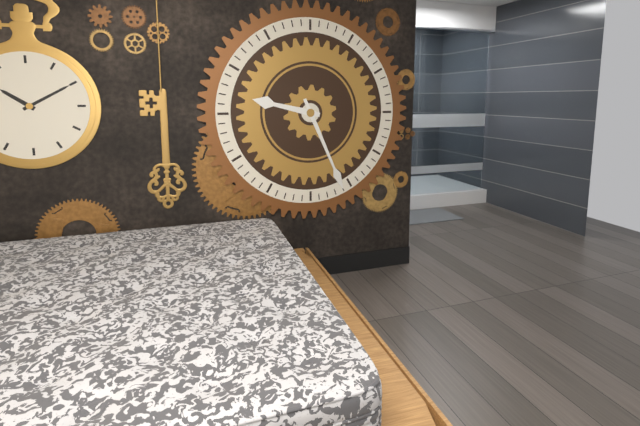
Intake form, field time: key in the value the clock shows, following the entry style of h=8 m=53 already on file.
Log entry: h=9 m=26
